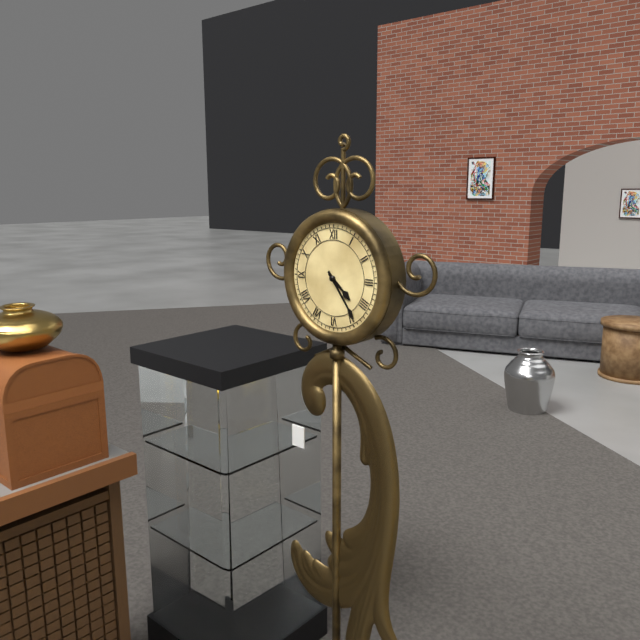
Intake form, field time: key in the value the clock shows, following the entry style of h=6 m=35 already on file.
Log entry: h=4 m=24
